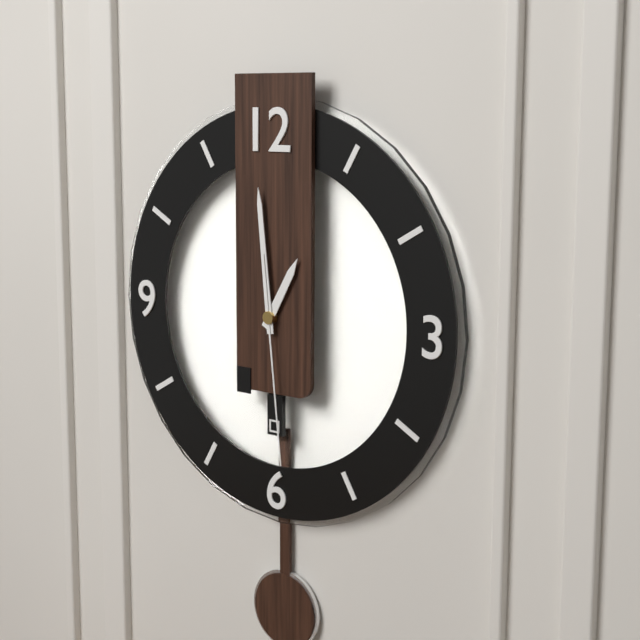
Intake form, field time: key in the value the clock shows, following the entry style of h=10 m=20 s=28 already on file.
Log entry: h=12 m=59 s=29
